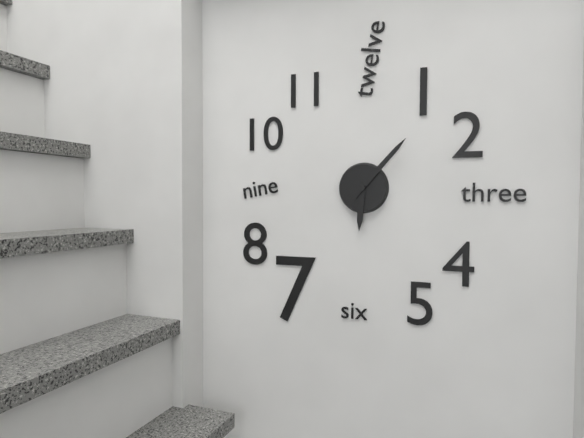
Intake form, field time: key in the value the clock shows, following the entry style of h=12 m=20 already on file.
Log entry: h=6 m=7
